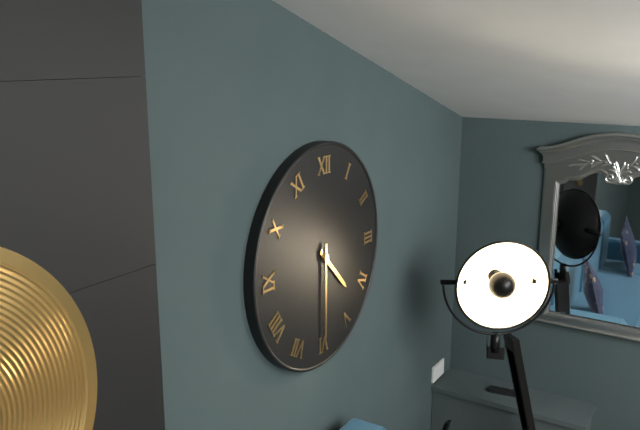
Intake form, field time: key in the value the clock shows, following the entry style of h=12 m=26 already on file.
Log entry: h=4 m=30
